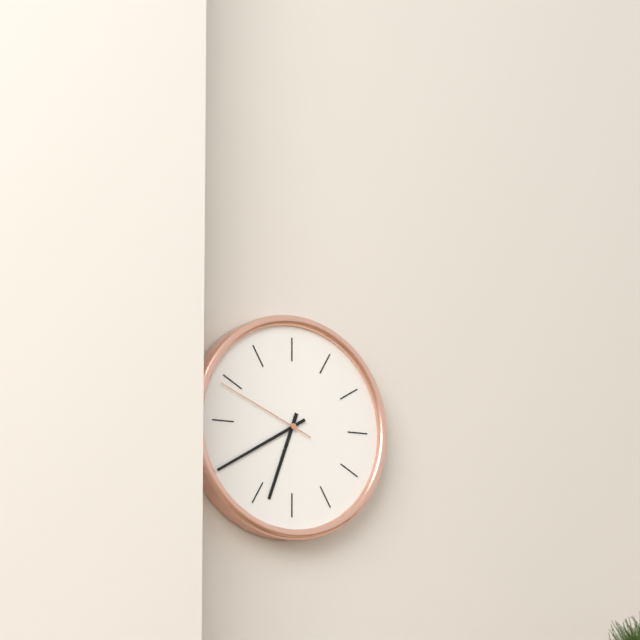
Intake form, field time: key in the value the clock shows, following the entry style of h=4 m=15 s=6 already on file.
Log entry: h=6 m=40 s=49
